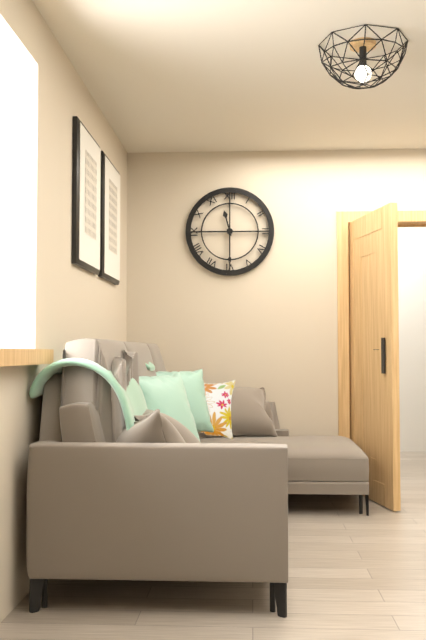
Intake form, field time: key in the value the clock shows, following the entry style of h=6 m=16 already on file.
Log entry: h=11 m=30
